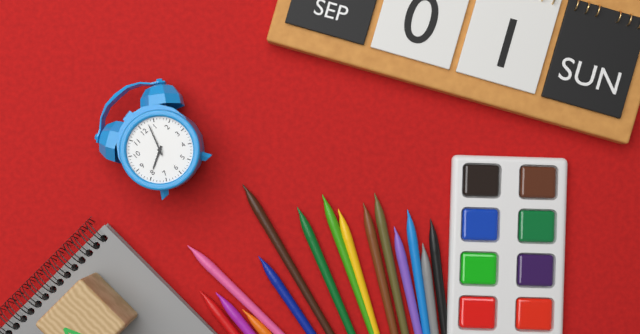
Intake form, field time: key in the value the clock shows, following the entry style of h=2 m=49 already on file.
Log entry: h=8 m=3
